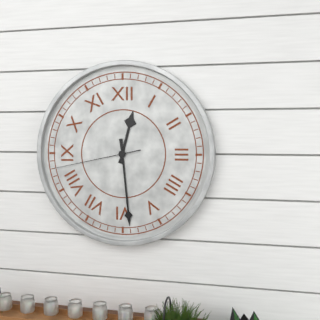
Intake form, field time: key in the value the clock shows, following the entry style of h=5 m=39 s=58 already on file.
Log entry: h=12 m=29 s=43
